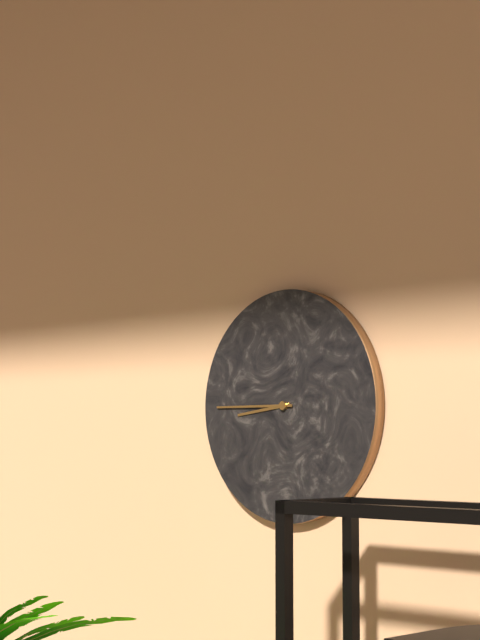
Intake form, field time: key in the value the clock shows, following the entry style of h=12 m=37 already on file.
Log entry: h=8 m=45
